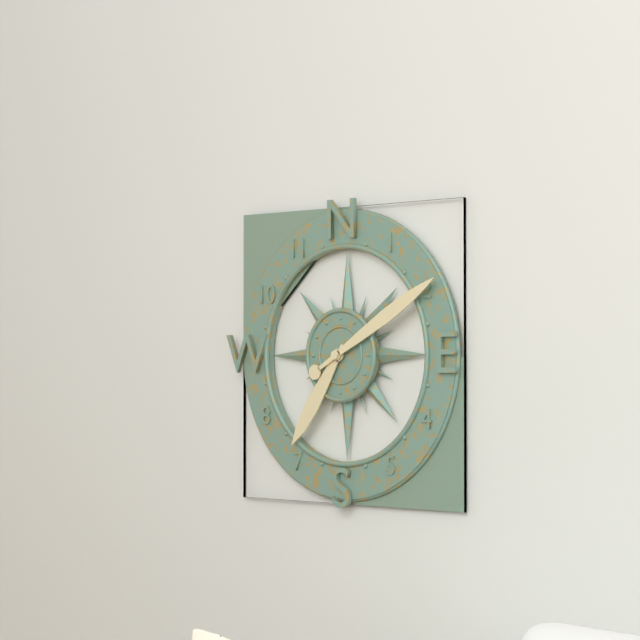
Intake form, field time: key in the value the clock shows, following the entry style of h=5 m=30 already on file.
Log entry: h=7 m=10
